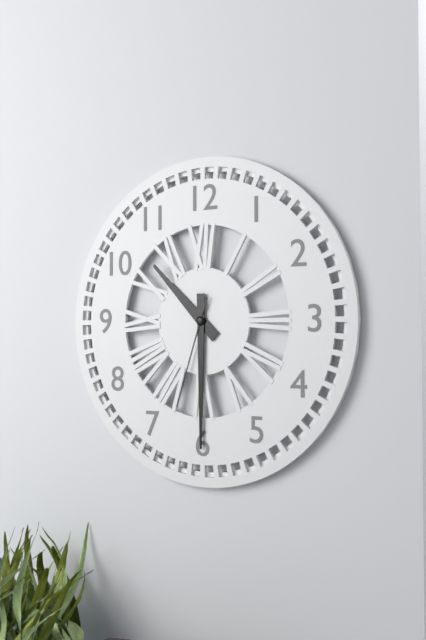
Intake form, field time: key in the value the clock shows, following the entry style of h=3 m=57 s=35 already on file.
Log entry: h=10 m=30 s=33
